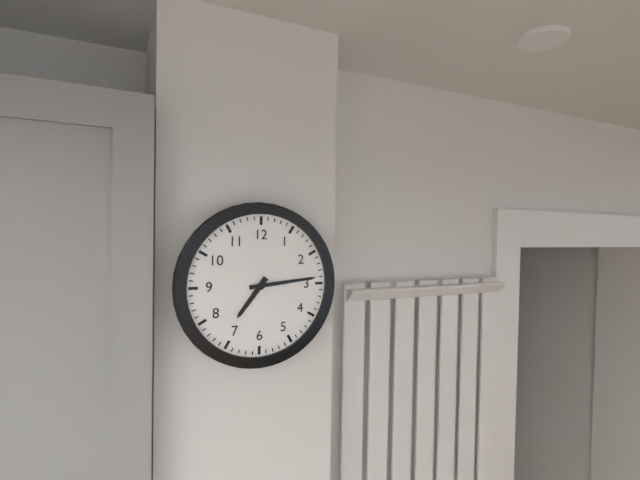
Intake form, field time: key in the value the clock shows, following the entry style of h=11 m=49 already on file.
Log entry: h=7 m=14
